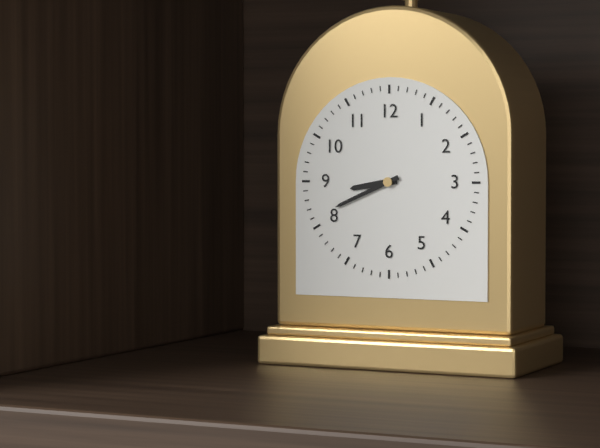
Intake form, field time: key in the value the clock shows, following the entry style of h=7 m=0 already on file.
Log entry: h=8 m=41
